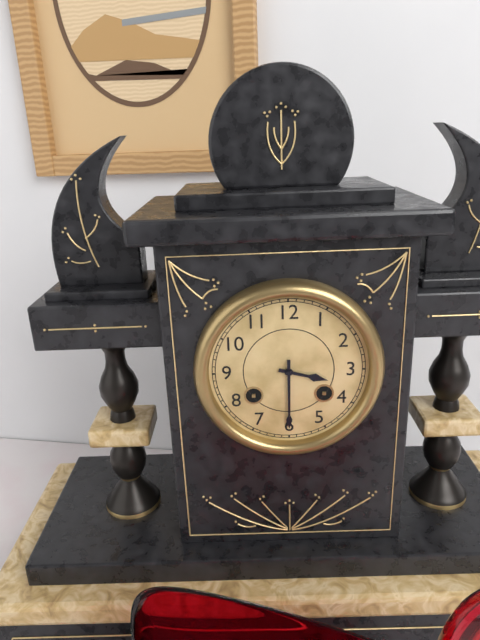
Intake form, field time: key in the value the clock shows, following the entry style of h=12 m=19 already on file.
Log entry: h=3 m=30
